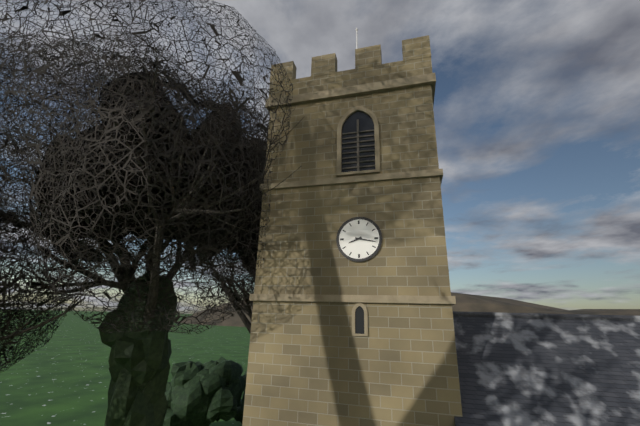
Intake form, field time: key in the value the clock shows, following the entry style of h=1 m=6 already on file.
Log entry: h=8 m=17
